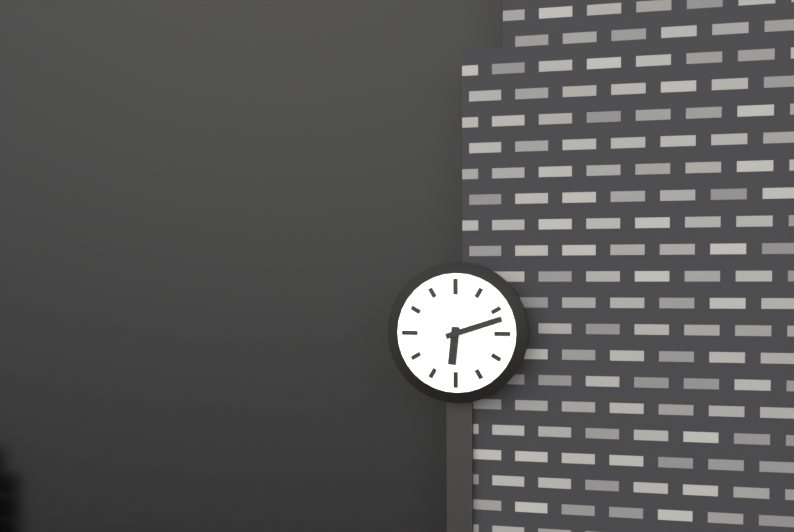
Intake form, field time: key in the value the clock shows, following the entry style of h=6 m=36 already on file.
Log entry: h=6 m=12
